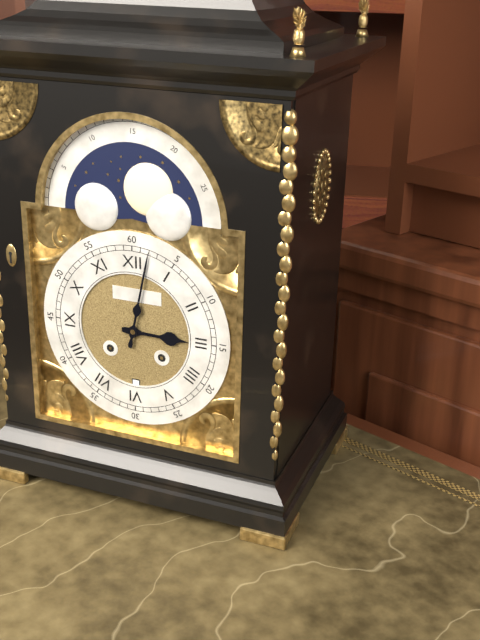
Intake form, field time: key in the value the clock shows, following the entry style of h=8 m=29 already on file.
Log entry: h=3 m=2
